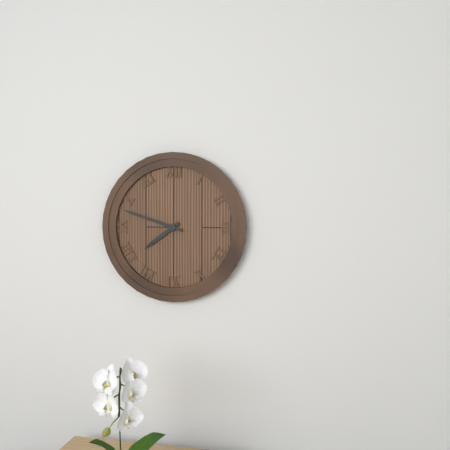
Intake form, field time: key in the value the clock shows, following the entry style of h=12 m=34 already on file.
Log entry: h=7 m=48
